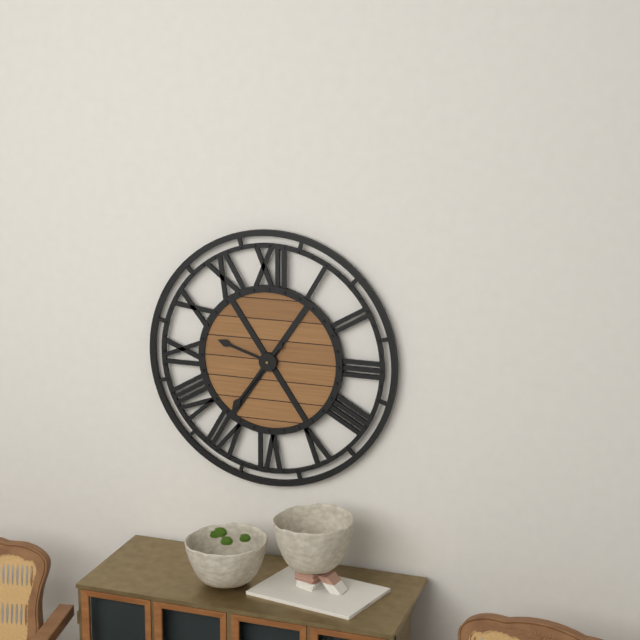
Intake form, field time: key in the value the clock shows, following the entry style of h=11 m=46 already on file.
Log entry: h=9 m=36
